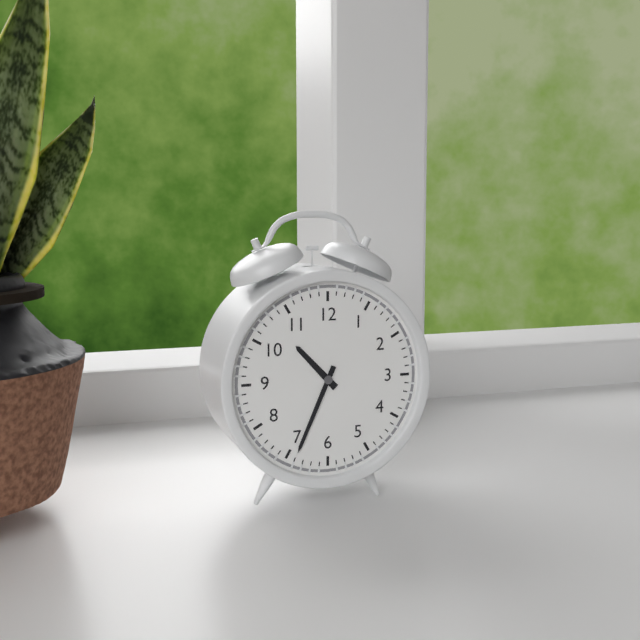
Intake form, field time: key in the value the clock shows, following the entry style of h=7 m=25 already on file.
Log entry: h=10 m=34
